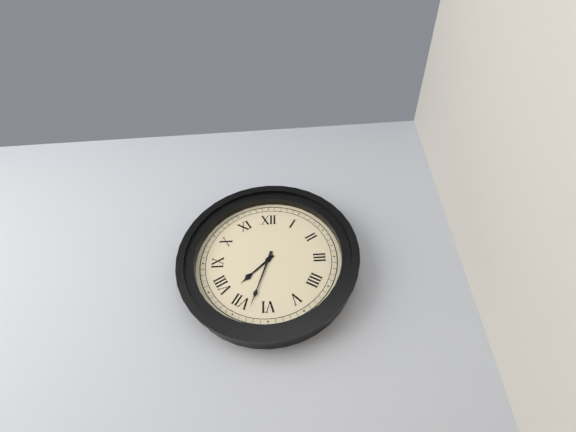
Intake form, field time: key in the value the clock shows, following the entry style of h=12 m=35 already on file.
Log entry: h=7 m=33
